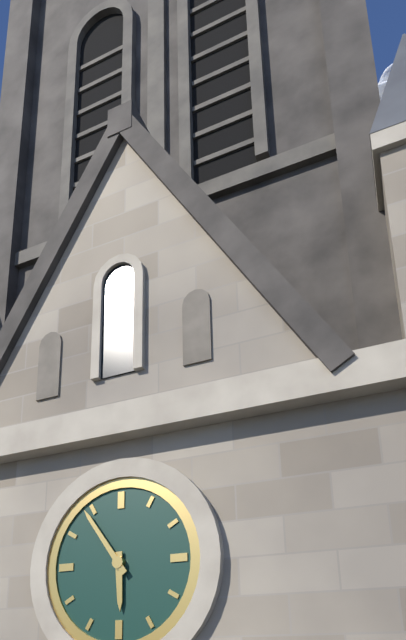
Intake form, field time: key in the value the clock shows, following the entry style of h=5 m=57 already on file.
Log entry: h=5 m=54
